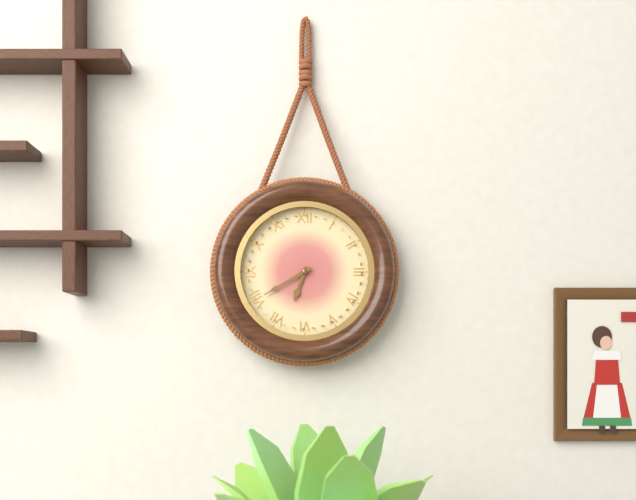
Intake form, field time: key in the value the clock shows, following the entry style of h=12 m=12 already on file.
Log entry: h=6 m=40
